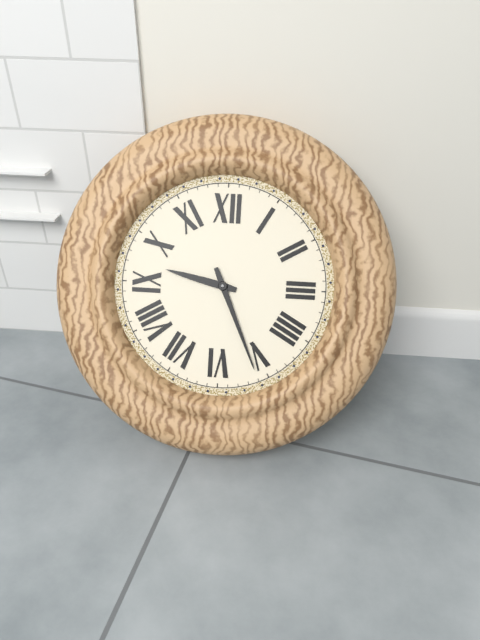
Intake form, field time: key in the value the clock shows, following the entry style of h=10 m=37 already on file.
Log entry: h=9 m=26
